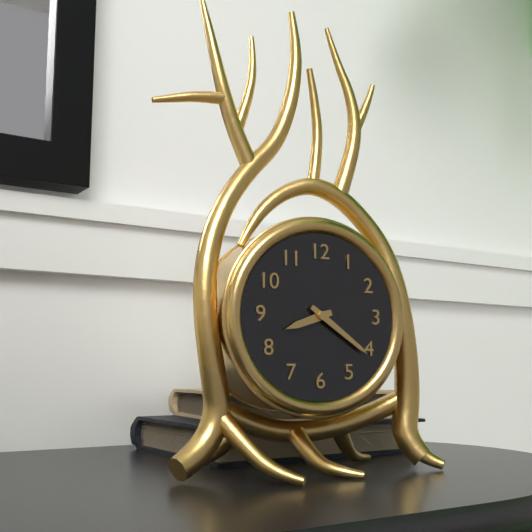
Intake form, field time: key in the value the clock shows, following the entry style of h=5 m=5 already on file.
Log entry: h=8 m=21
